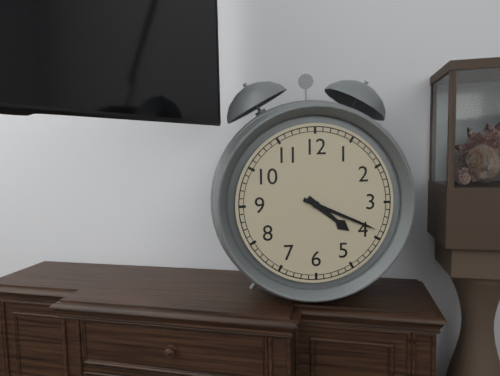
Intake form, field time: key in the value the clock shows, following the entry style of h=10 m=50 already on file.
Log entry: h=4 m=19
